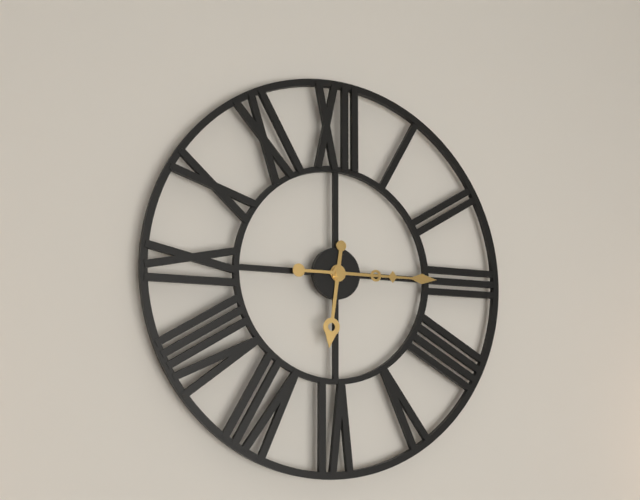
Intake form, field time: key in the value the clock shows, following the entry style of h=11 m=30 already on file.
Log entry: h=6 m=15
